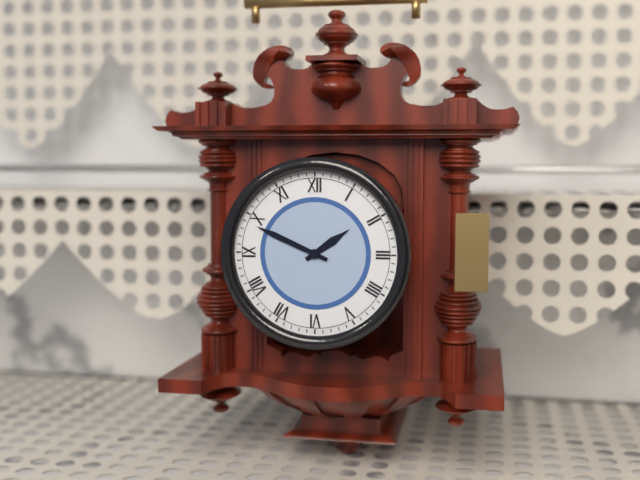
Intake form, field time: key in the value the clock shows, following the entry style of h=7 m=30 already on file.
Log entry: h=1 m=49
